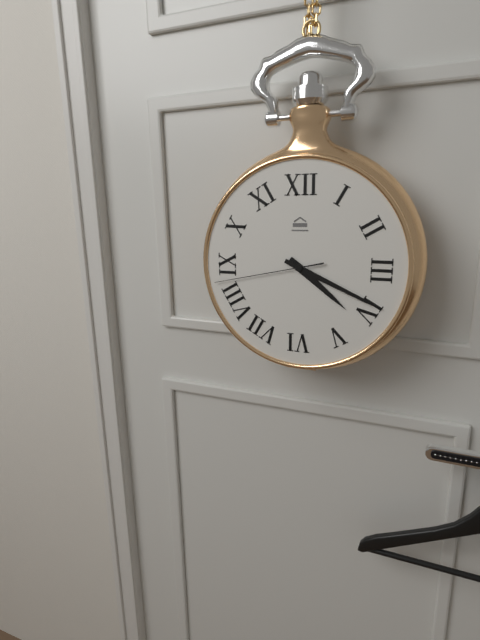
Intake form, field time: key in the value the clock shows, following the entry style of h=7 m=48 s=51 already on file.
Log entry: h=4 m=19 s=43
